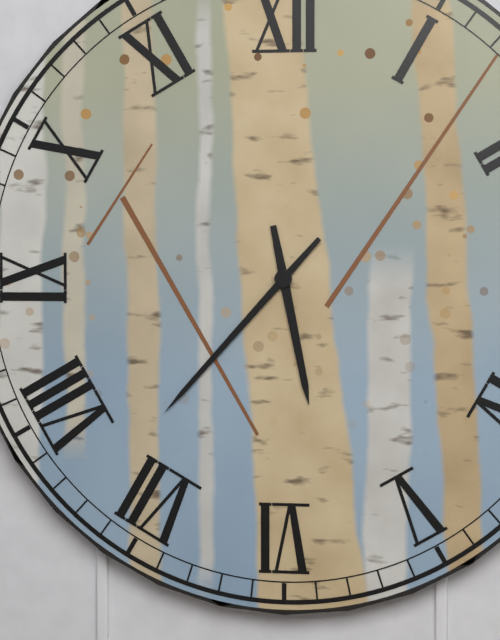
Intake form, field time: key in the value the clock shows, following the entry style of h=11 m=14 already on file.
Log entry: h=5 m=37
